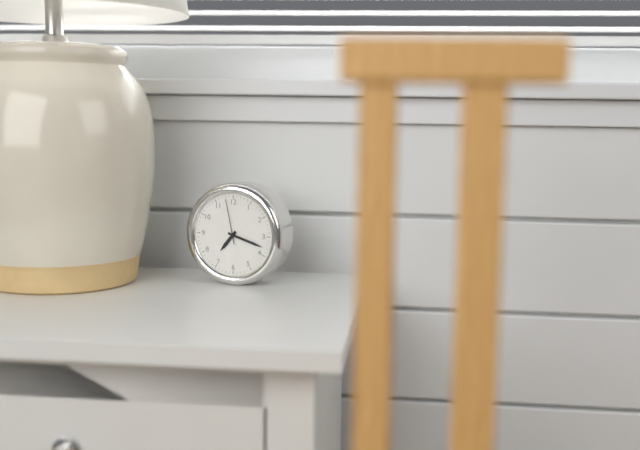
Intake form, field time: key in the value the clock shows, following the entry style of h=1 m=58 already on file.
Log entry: h=7 m=18
